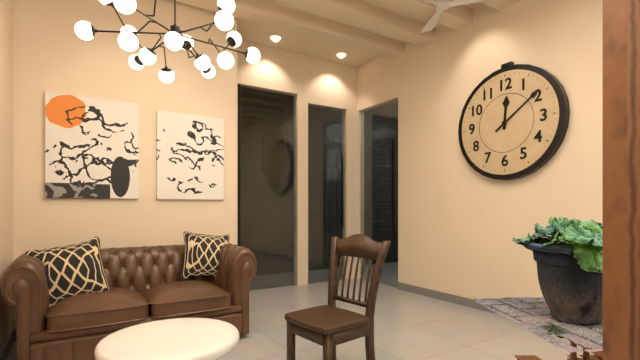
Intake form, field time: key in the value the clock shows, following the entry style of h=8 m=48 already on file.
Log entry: h=12 m=9
